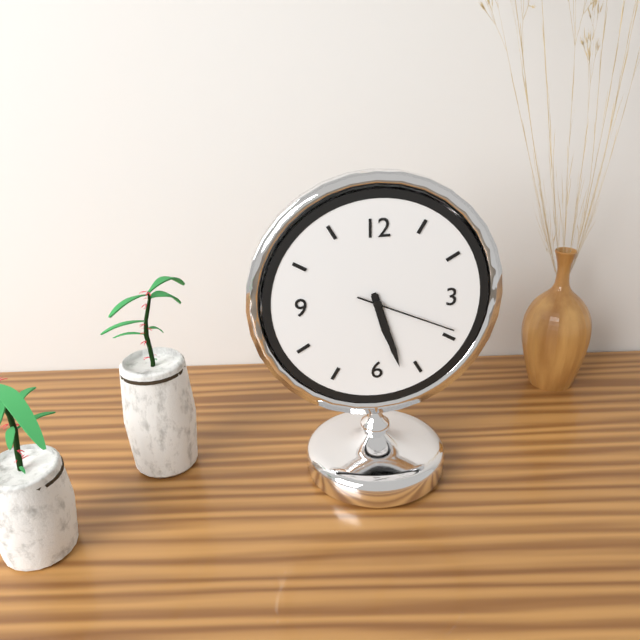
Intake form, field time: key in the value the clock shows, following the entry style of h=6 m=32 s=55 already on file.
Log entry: h=5 m=27 s=19
